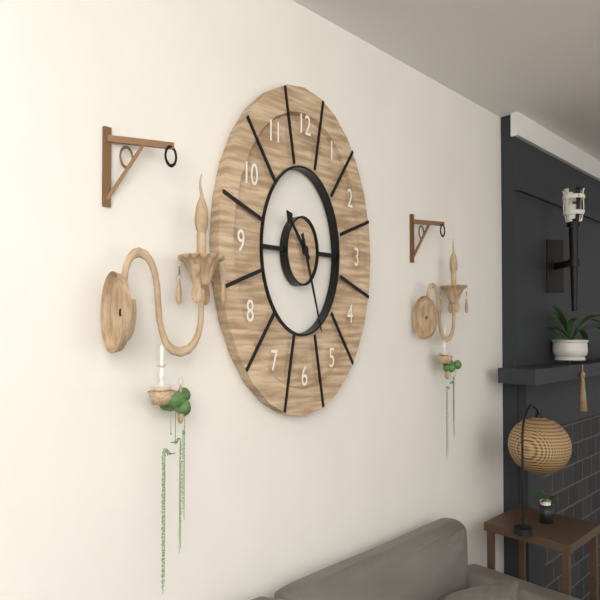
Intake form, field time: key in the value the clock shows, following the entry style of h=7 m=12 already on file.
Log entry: h=10 m=26
